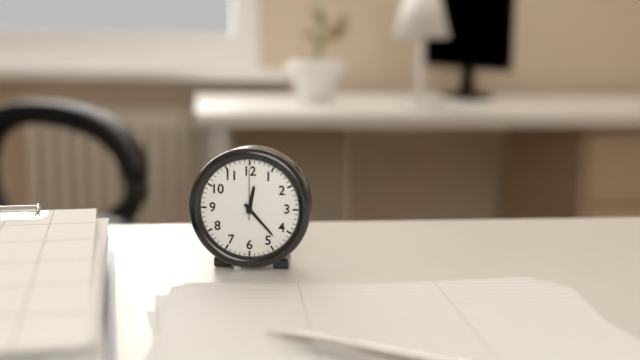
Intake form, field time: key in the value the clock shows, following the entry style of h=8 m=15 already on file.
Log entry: h=12 m=23
